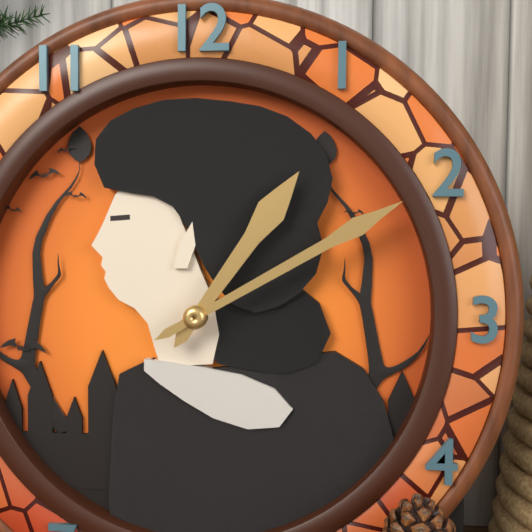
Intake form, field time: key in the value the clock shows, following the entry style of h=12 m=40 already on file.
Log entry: h=1 m=10
